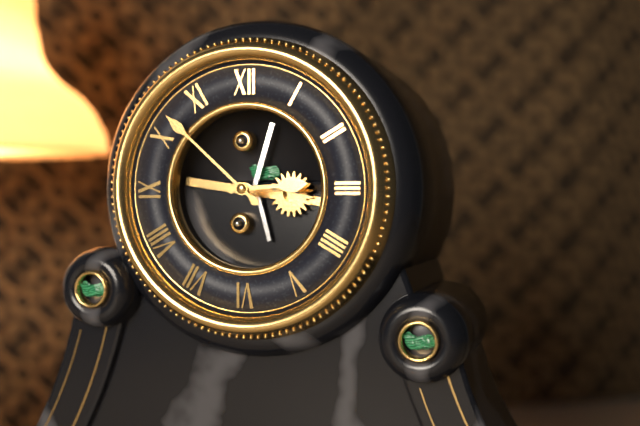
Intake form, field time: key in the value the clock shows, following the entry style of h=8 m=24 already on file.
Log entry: h=2 m=52
